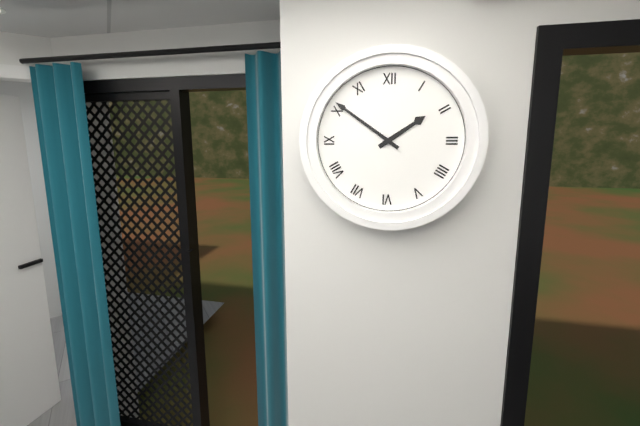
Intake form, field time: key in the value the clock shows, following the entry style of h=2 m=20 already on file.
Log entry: h=1 m=51
